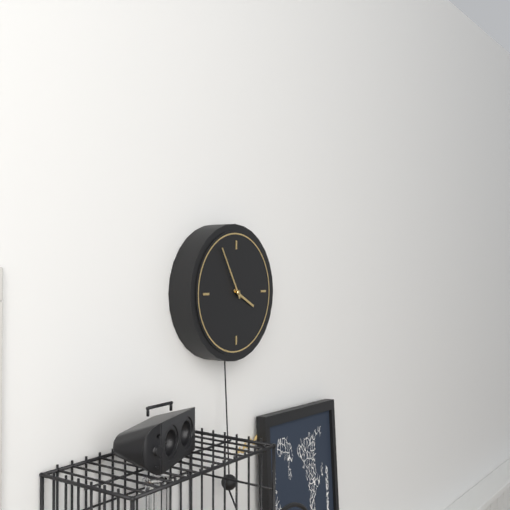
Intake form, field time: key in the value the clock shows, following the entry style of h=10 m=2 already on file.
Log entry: h=3 m=55
